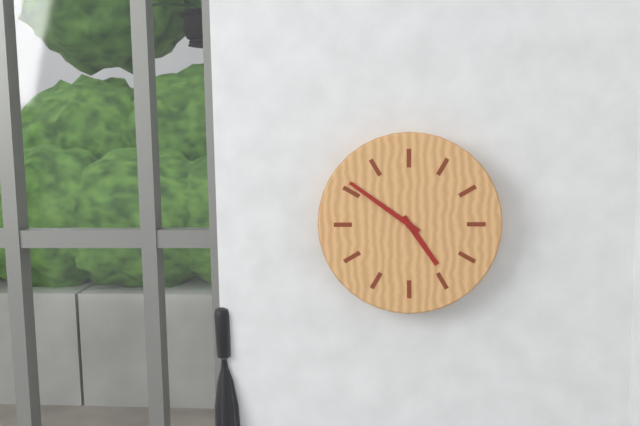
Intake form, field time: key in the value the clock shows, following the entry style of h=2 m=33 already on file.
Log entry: h=4 m=51
